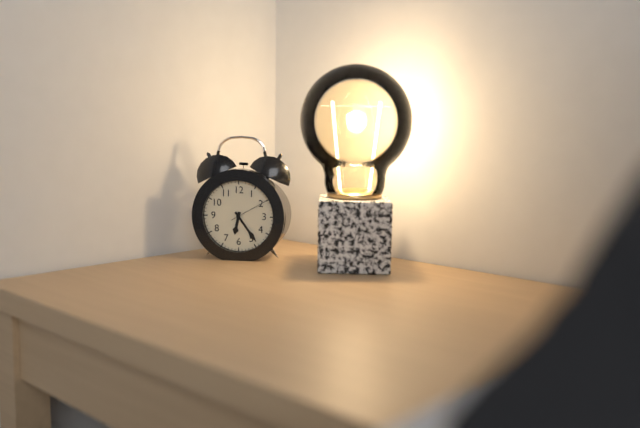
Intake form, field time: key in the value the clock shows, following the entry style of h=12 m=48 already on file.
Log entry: h=6 m=24
